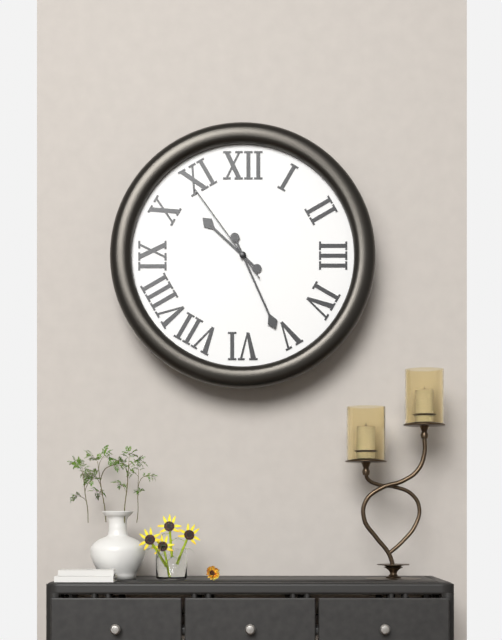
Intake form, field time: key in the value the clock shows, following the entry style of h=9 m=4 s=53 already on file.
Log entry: h=10 m=26 s=54
